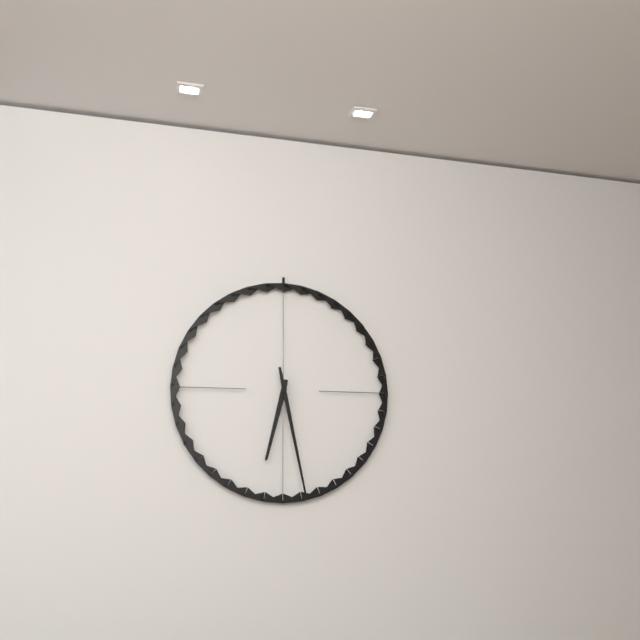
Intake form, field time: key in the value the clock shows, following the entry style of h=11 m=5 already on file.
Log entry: h=6 m=28
